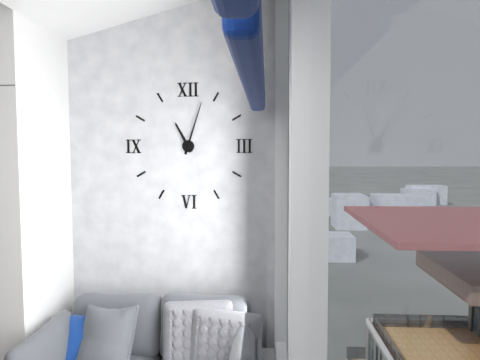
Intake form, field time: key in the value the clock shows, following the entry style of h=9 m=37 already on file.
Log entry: h=11 m=3
